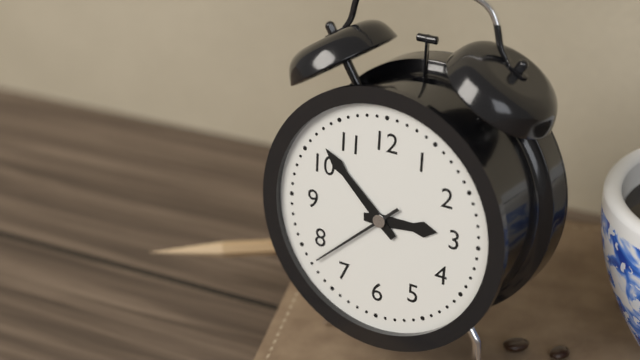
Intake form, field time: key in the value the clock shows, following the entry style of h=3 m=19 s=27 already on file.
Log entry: h=2 m=52 s=38
